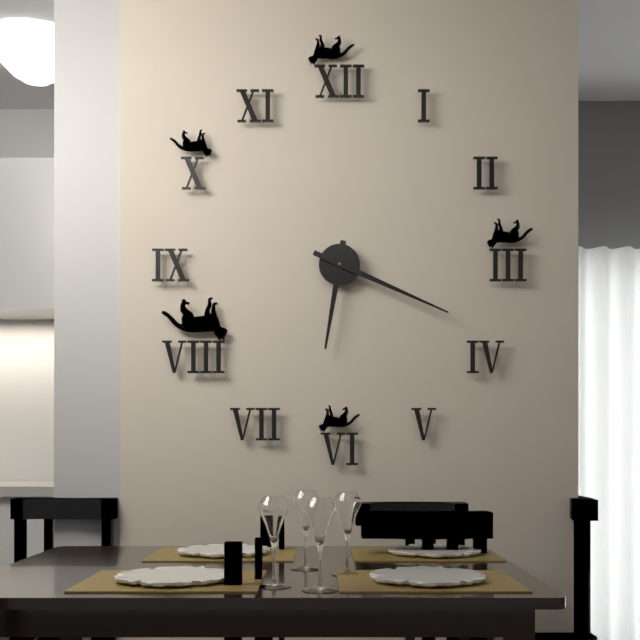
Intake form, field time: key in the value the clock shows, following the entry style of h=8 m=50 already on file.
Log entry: h=6 m=19
